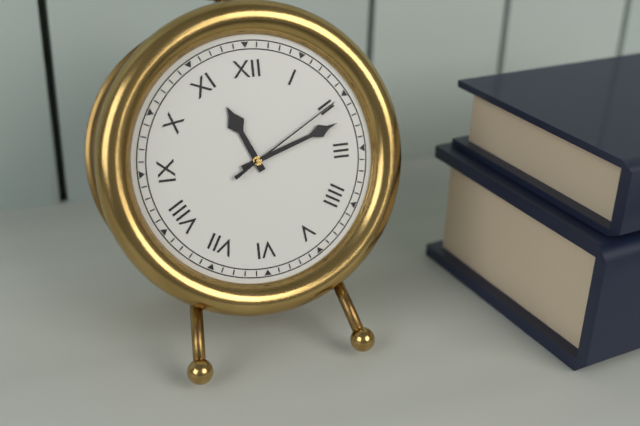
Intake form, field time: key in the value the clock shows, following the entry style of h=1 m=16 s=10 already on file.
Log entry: h=11 m=12 s=10
